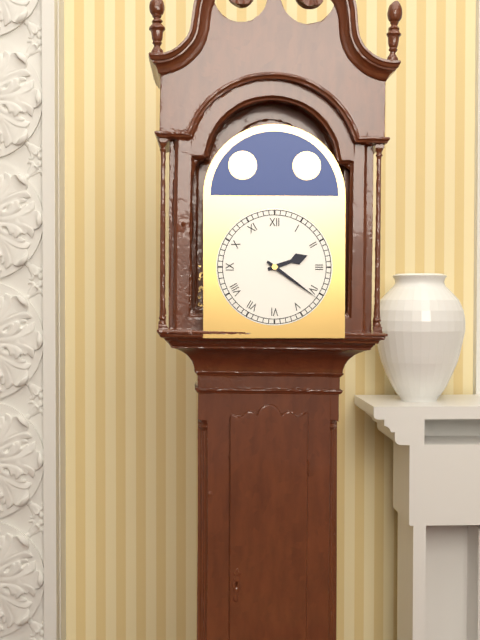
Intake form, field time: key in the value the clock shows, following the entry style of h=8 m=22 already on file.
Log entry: h=2 m=21
